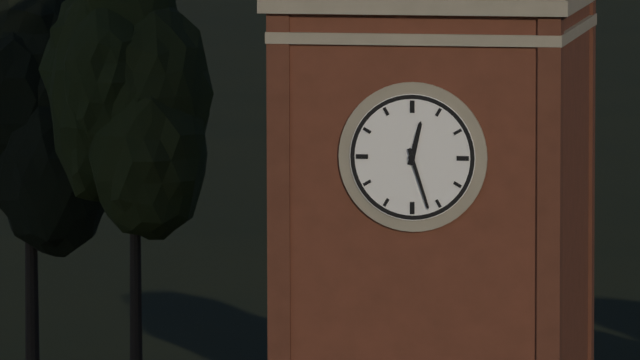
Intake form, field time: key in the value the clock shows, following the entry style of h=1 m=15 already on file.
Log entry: h=12 m=27
